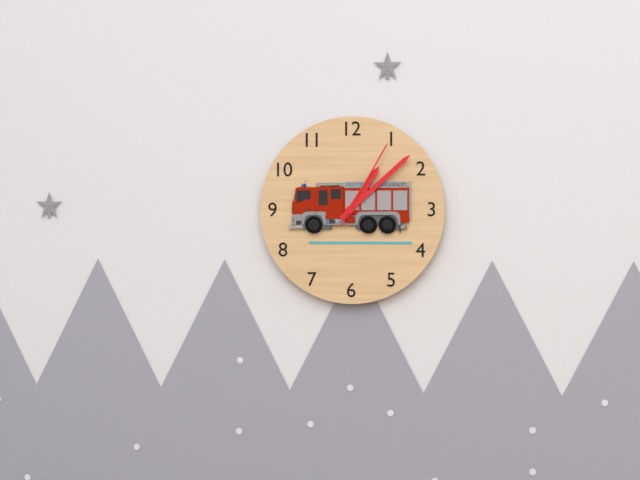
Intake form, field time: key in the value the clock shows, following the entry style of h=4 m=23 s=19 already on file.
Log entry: h=1 m=8 s=5
